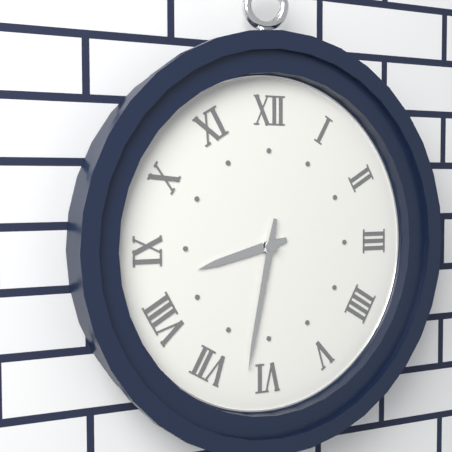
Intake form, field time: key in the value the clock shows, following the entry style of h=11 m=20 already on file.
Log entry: h=8 m=32
